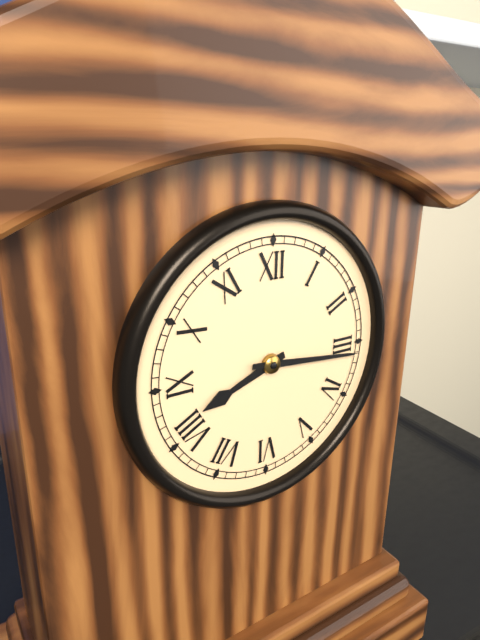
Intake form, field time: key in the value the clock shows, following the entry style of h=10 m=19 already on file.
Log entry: h=8 m=16
